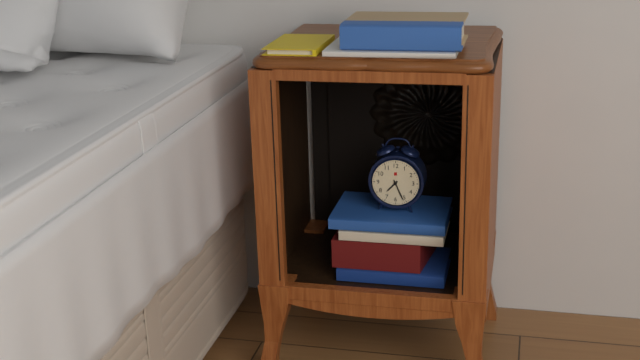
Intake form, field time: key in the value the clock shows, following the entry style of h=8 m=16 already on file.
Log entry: h=7 m=26
